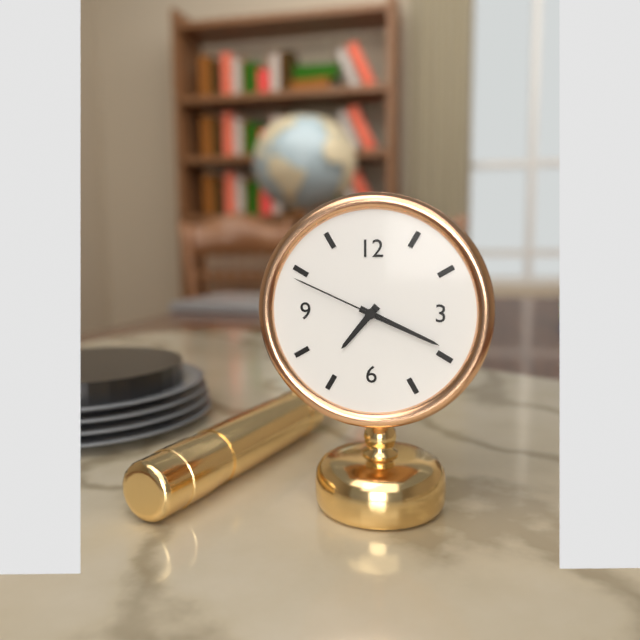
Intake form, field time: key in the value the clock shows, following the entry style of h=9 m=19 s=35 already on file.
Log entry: h=7 m=19 s=49
